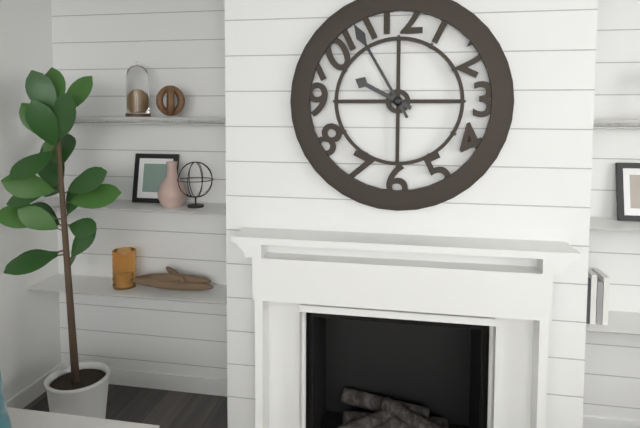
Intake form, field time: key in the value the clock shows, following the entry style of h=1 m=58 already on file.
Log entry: h=9 m=55
